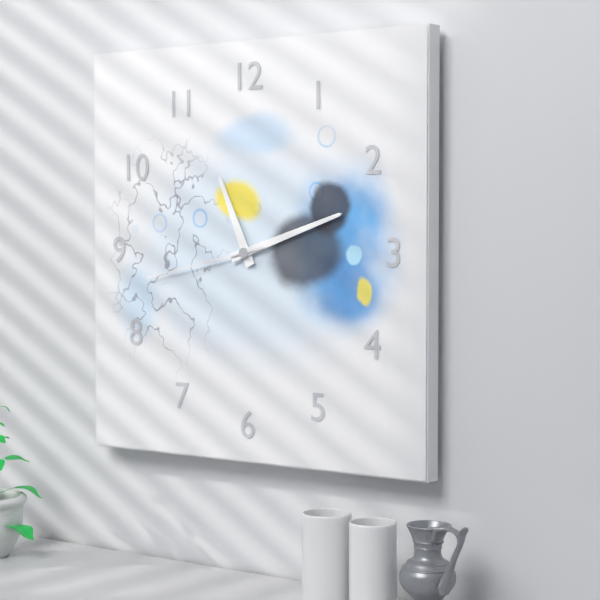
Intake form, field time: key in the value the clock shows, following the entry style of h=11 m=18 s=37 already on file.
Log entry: h=11 m=12 s=43
